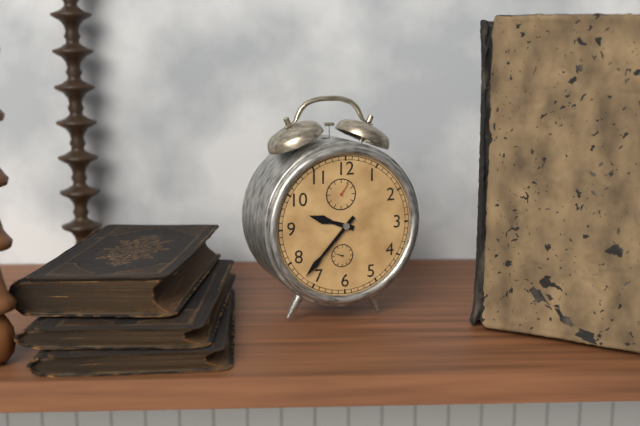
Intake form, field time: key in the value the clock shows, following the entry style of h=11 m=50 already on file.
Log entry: h=9 m=37
